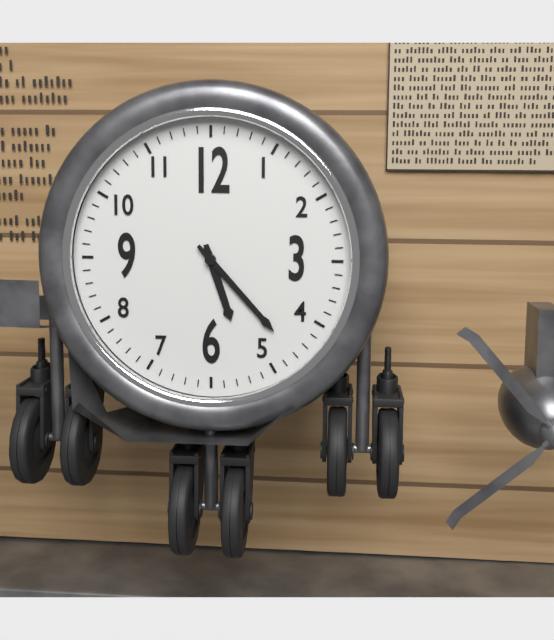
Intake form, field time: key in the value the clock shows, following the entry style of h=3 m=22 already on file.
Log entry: h=5 m=23
